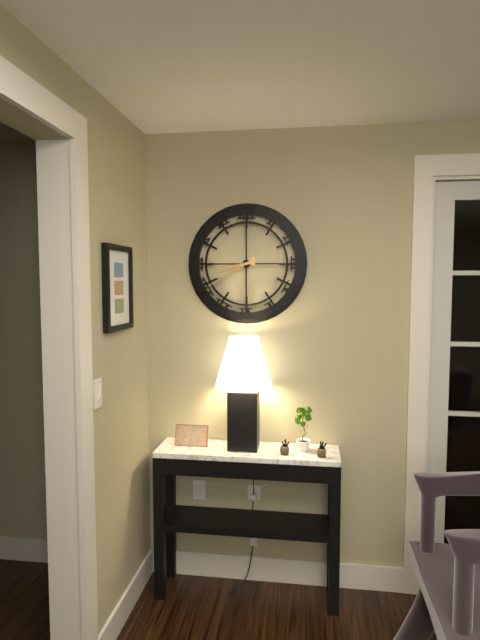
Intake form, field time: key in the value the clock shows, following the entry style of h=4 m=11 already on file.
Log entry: h=8 m=40
